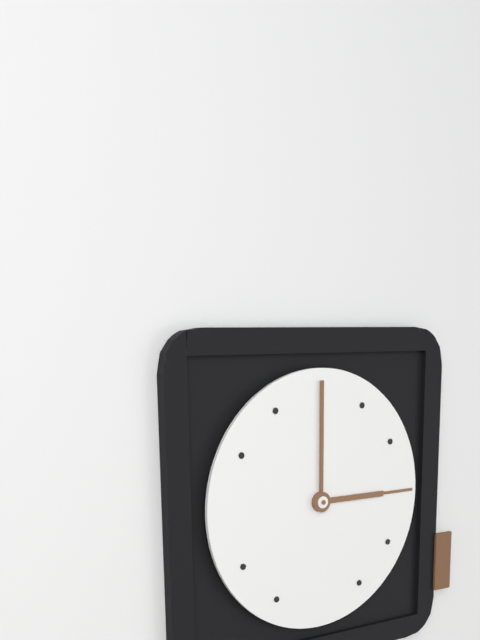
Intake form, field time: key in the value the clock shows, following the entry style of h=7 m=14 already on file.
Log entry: h=3 m=0
